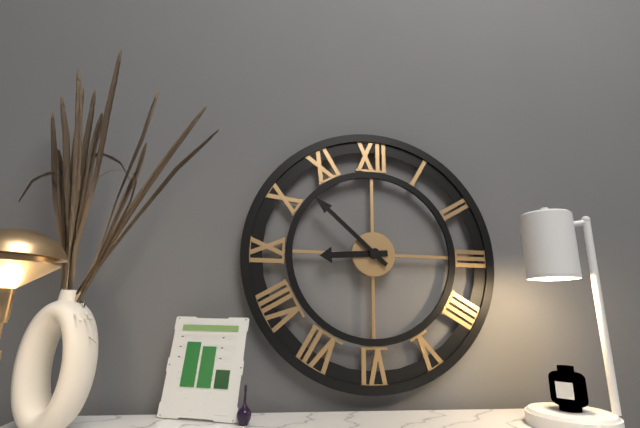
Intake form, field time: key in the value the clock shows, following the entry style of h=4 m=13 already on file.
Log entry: h=8 m=52
